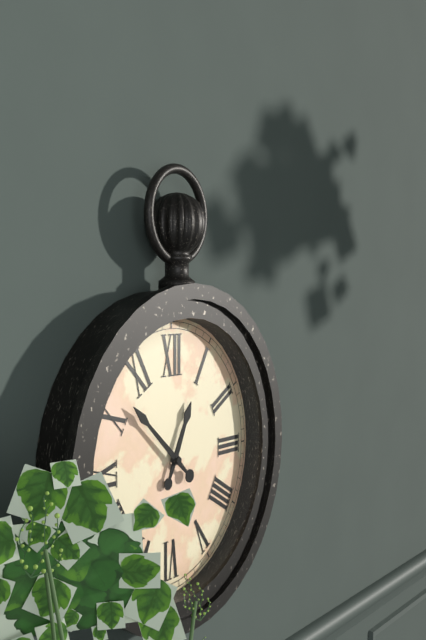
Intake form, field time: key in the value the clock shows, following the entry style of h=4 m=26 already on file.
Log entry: h=12 m=52
